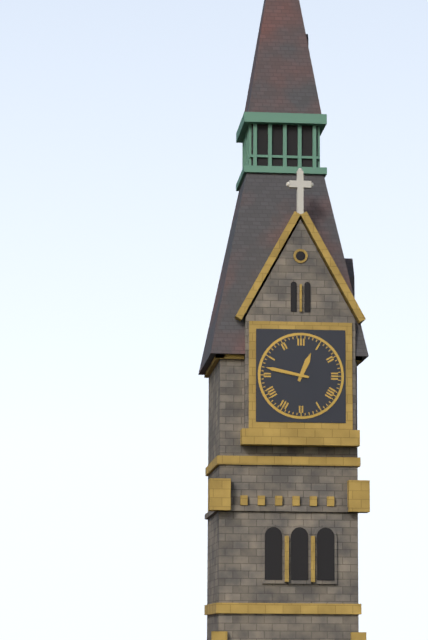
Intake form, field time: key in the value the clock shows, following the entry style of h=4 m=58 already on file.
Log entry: h=12 m=47
